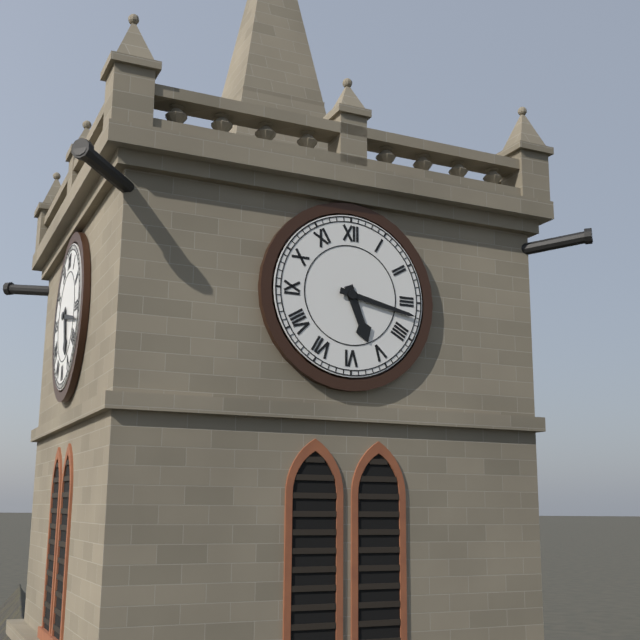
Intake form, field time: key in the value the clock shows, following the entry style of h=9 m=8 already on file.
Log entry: h=5 m=17
